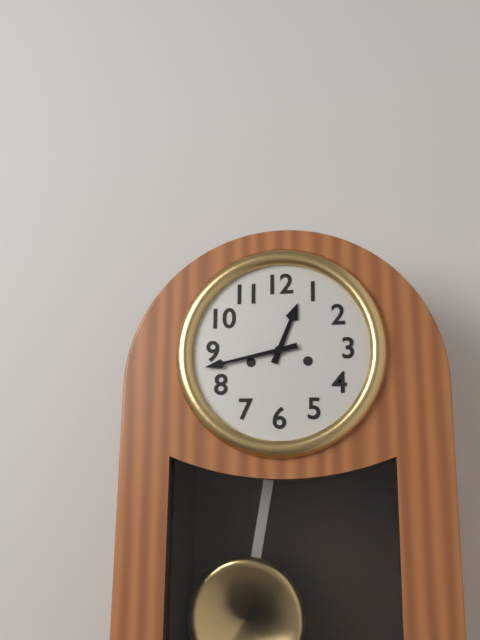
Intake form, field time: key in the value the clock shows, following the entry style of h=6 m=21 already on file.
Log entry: h=12 m=43
